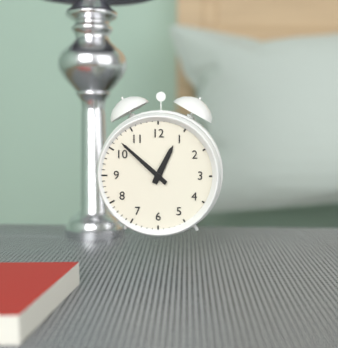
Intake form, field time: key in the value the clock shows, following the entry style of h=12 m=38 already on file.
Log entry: h=12 m=52
